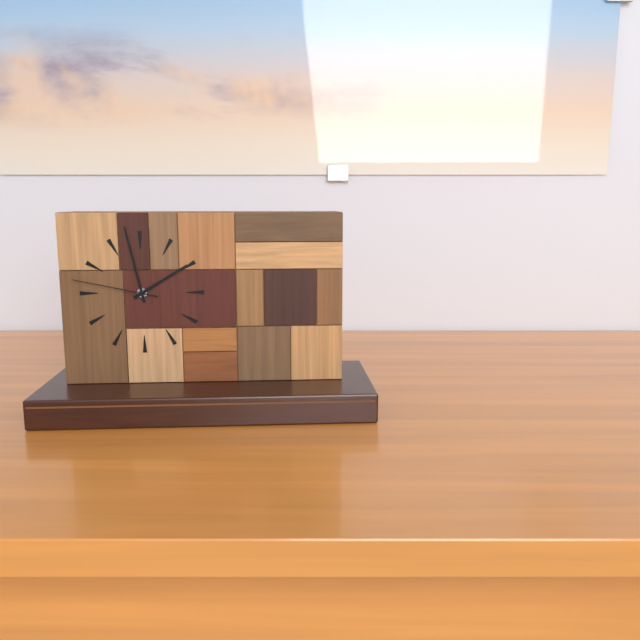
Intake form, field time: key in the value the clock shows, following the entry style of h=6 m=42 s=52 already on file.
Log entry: h=1 m=58 s=47
